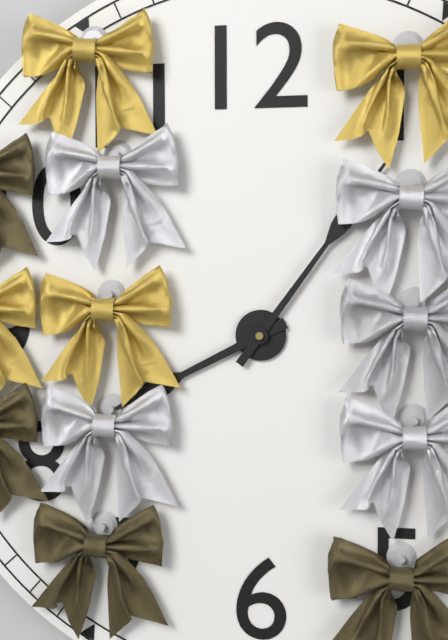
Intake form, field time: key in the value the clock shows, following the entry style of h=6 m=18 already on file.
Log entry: h=8 m=6
